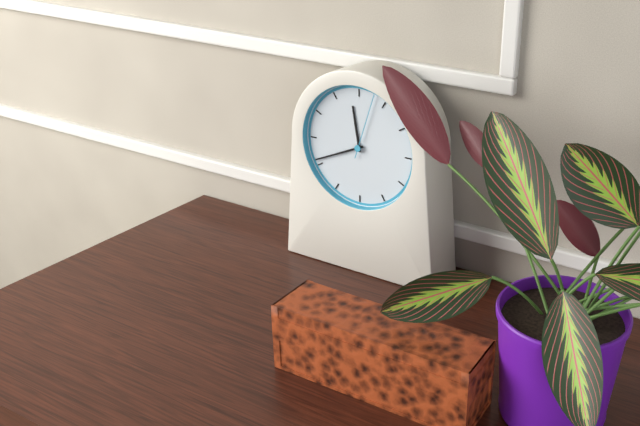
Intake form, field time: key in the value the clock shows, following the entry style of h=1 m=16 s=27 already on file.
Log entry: h=11 m=41 s=3
